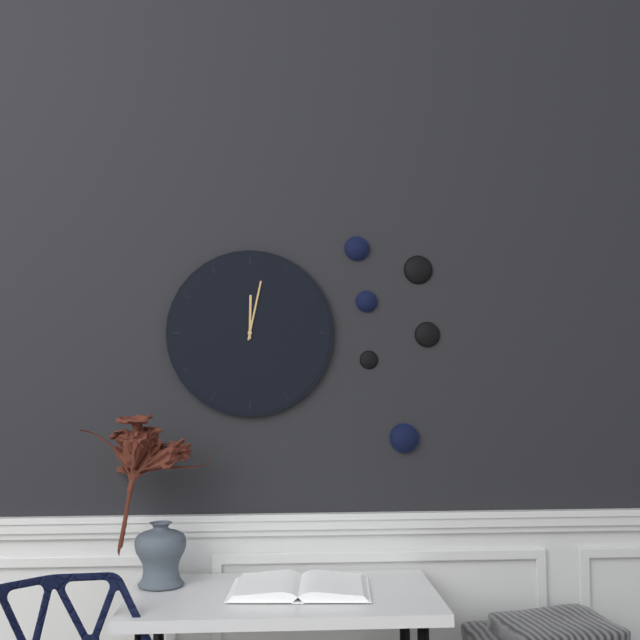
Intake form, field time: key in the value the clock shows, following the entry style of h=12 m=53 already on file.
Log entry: h=12 m=2
